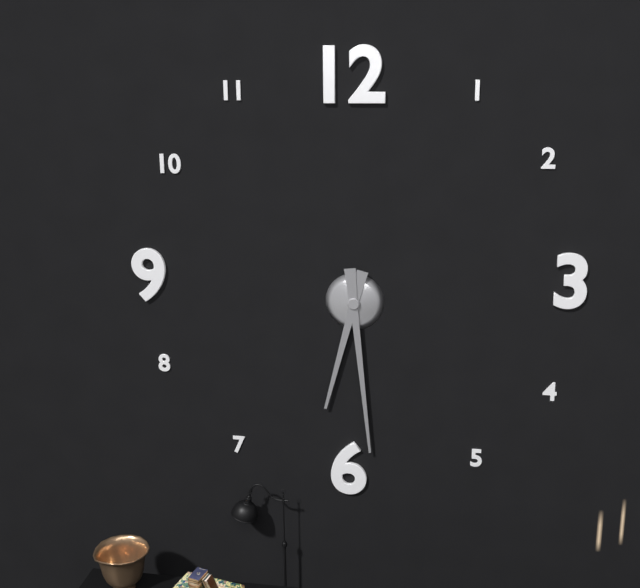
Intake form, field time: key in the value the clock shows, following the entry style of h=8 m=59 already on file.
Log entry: h=6 m=29
